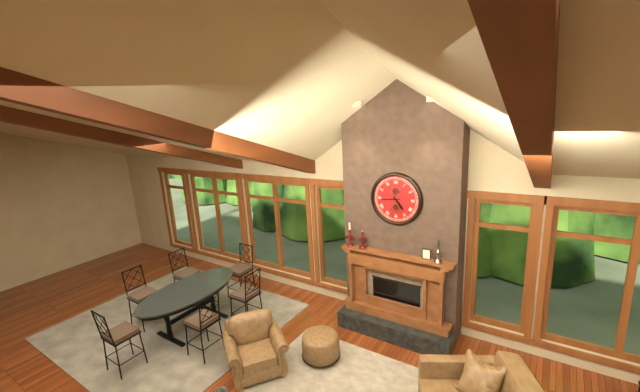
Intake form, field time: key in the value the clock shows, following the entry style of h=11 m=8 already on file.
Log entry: h=4 m=44
